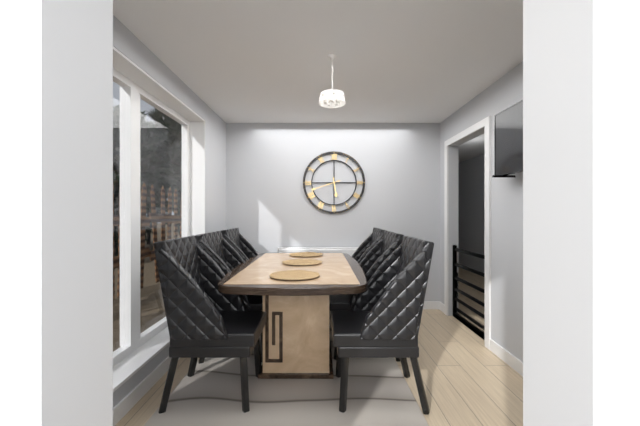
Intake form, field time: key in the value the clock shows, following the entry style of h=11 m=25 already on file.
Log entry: h=5 m=42
